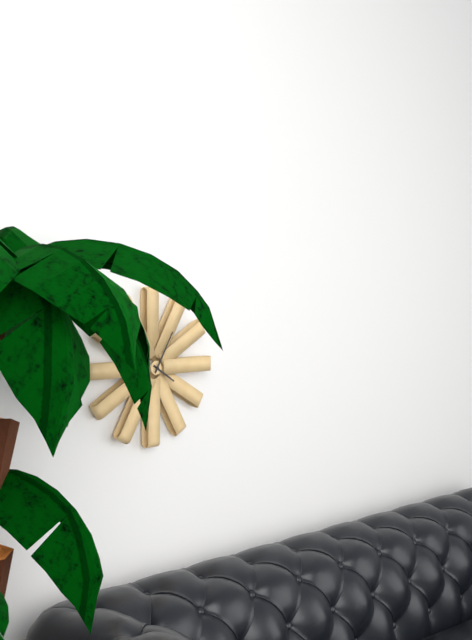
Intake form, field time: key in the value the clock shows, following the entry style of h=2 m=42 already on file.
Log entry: h=4 m=5
